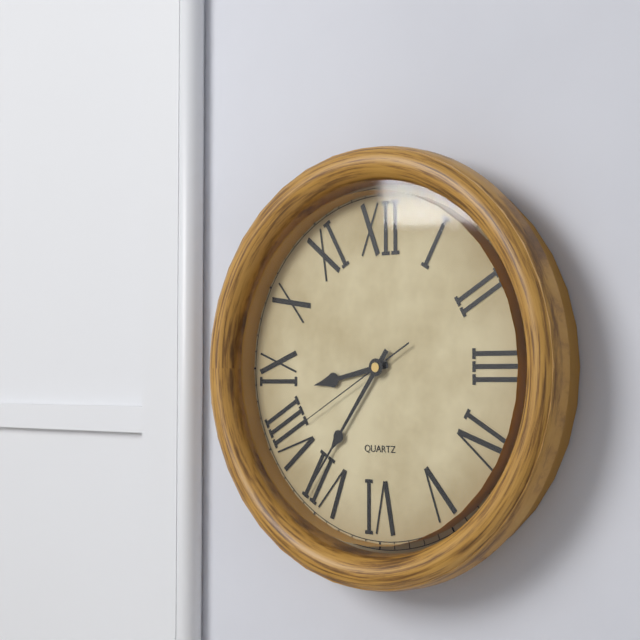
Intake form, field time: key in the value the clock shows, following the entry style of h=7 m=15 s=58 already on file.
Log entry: h=8 m=36 s=40
